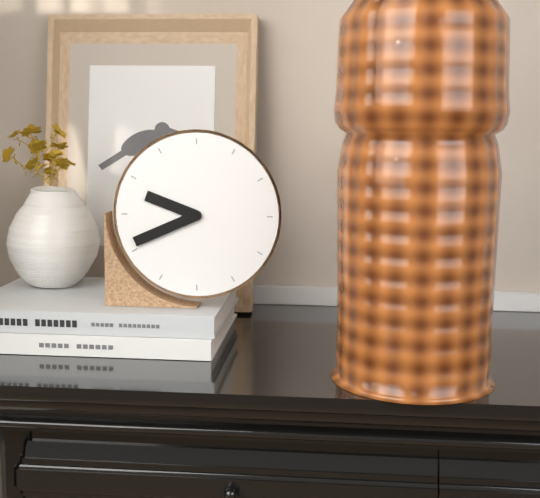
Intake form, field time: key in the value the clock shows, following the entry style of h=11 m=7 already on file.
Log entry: h=9 m=41
